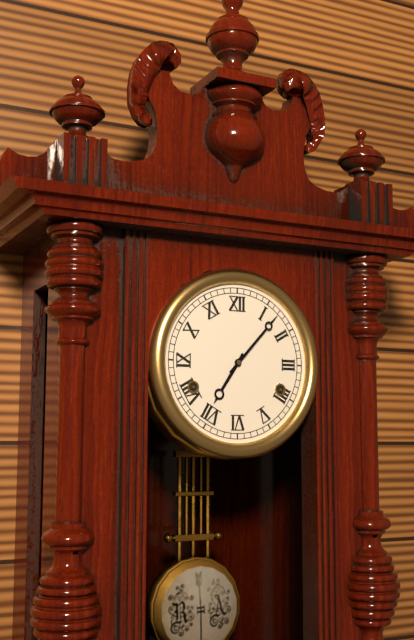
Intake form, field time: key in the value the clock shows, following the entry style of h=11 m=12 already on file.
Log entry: h=7 m=7
